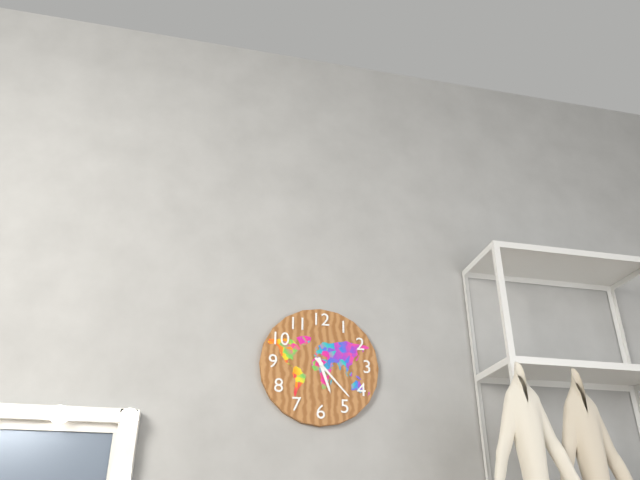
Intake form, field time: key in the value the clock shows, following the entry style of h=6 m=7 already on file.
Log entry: h=5 m=23
